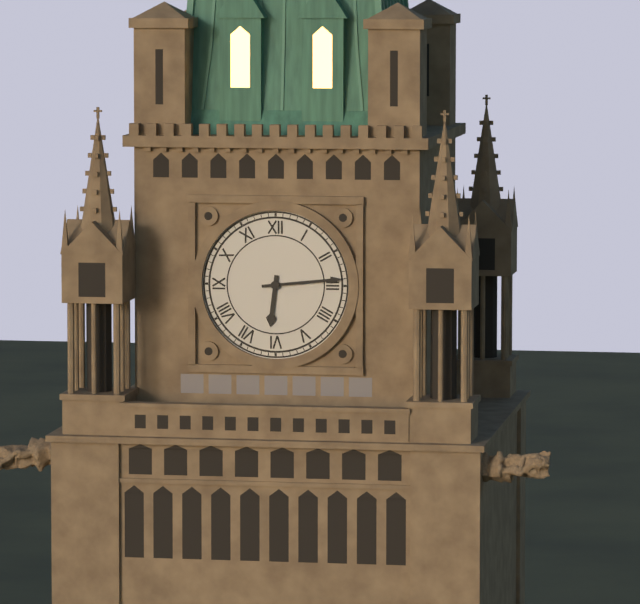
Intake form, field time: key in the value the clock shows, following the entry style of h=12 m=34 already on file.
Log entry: h=6 m=14
